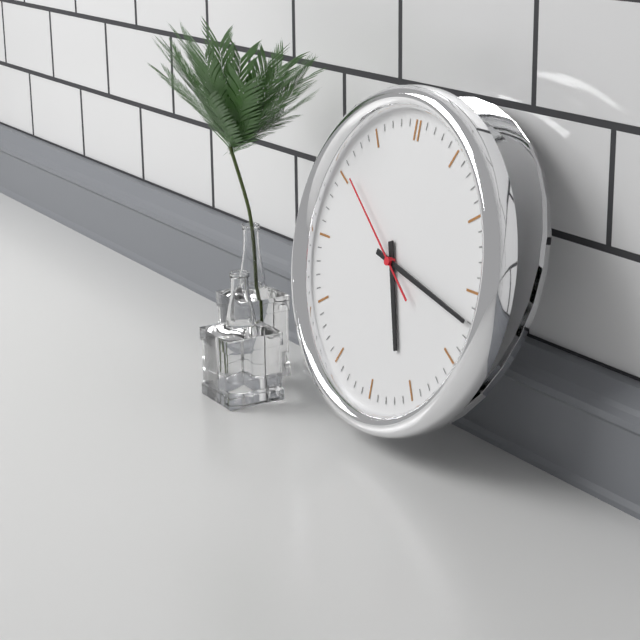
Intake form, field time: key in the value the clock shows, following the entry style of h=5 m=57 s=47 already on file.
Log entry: h=5 m=17 s=51
